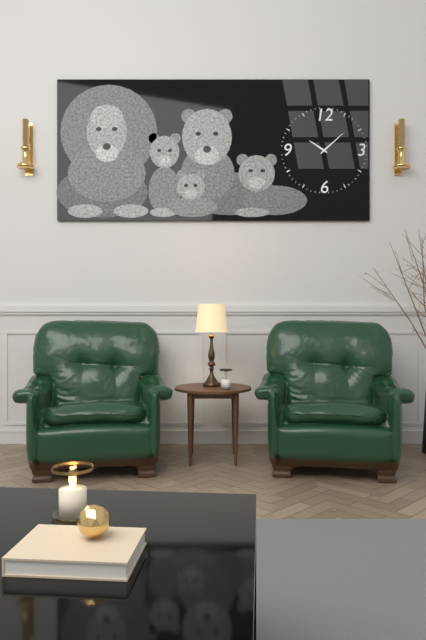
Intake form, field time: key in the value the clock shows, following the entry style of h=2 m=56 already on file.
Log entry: h=10 m=8
